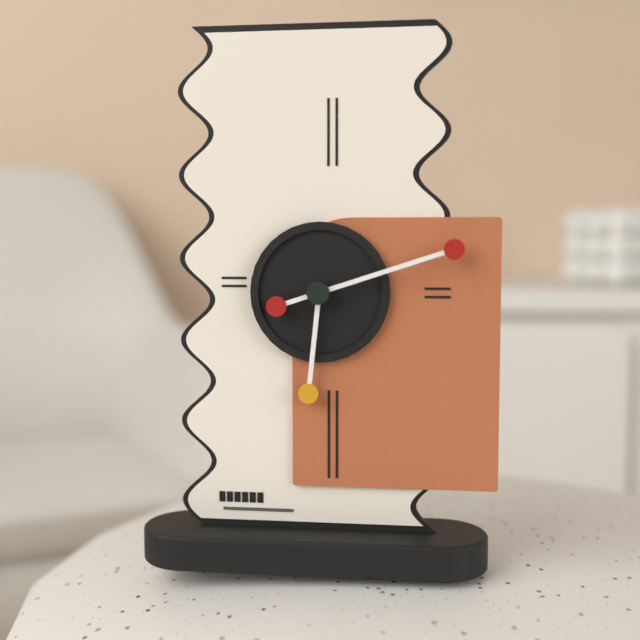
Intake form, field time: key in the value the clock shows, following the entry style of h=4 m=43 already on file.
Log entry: h=6 m=12
